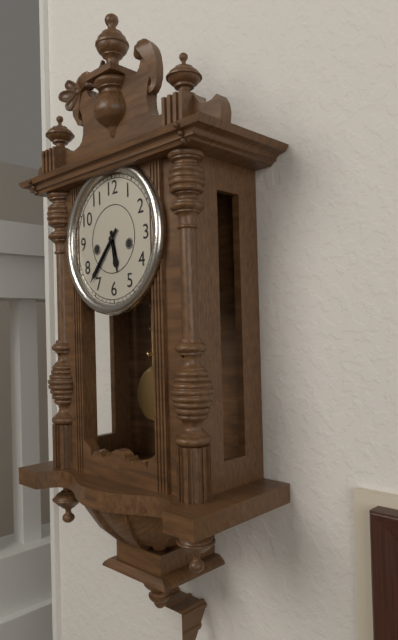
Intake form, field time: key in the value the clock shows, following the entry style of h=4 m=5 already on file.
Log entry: h=5 m=37
